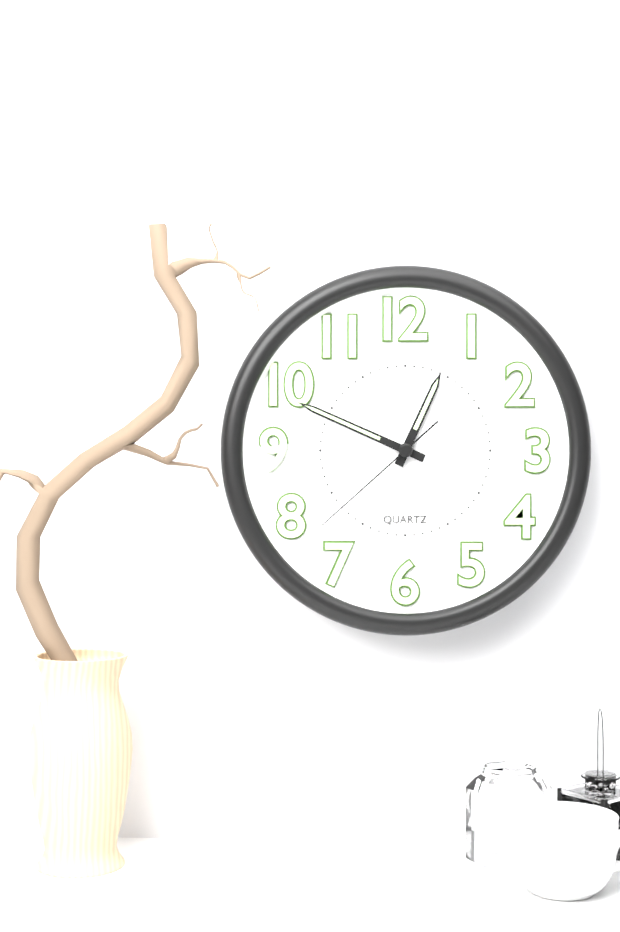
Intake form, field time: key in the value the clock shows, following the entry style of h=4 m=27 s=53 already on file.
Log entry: h=12 m=49 s=38
